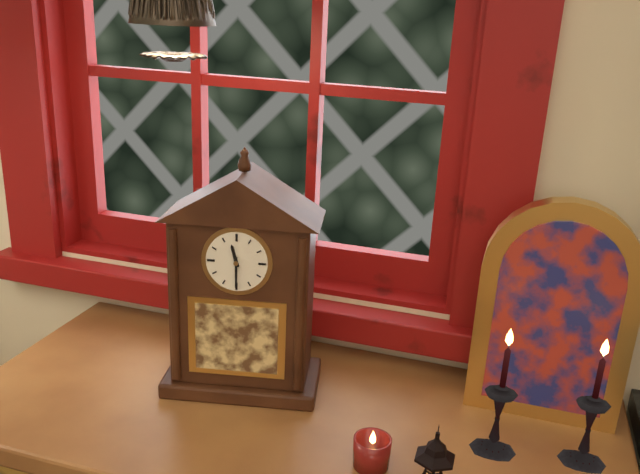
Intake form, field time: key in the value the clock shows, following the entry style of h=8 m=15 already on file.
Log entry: h=11 m=30
